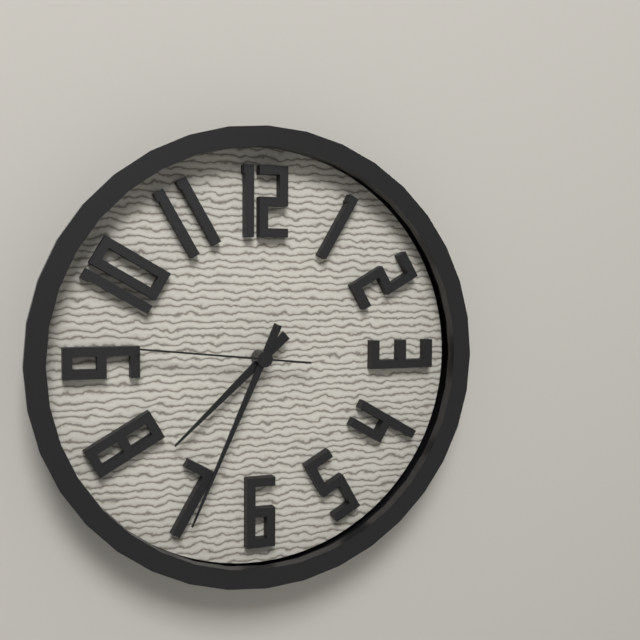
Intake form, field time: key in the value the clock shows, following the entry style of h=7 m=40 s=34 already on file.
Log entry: h=7 m=34 s=46
